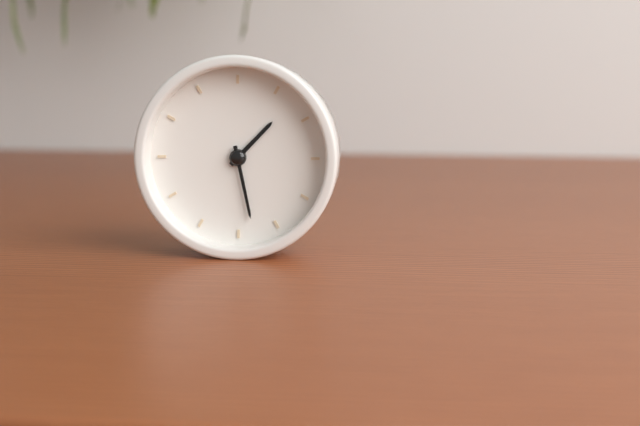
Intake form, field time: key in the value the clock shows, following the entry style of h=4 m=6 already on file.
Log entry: h=1 m=28
